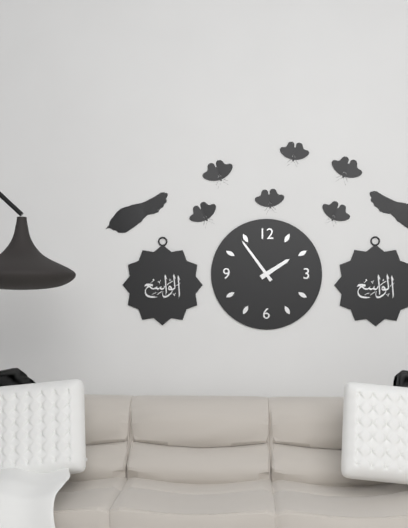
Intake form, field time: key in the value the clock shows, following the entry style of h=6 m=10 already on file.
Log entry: h=1 m=54
